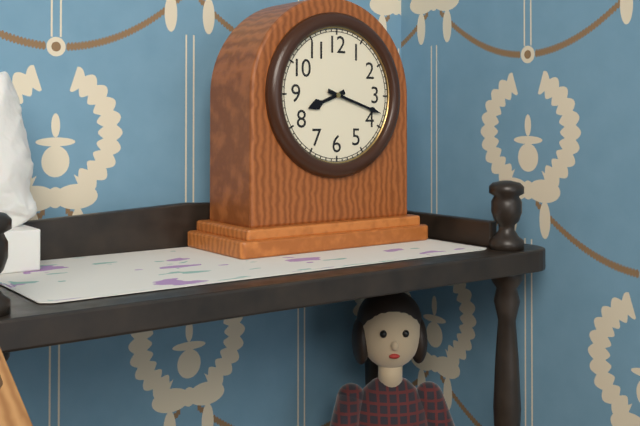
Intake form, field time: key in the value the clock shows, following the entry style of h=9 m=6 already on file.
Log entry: h=8 m=18
